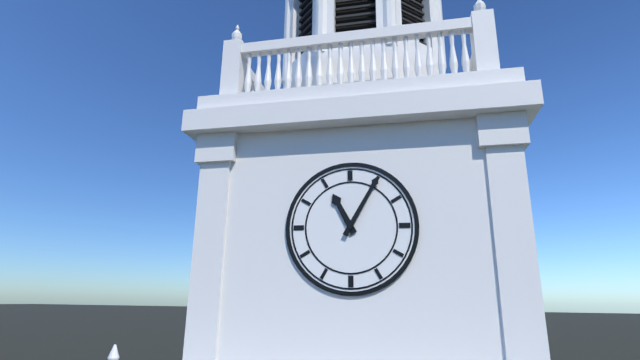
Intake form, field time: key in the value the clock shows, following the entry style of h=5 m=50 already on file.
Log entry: h=11 m=5
